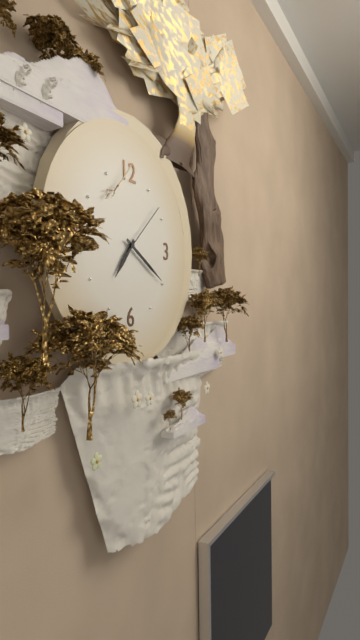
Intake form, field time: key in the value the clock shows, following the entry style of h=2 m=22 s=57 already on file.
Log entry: h=7 m=20 s=8
